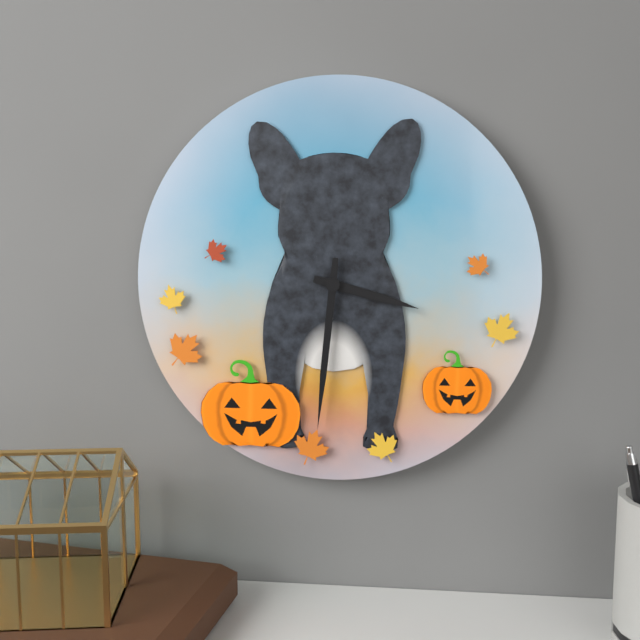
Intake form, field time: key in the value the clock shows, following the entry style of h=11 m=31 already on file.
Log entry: h=3 m=31
